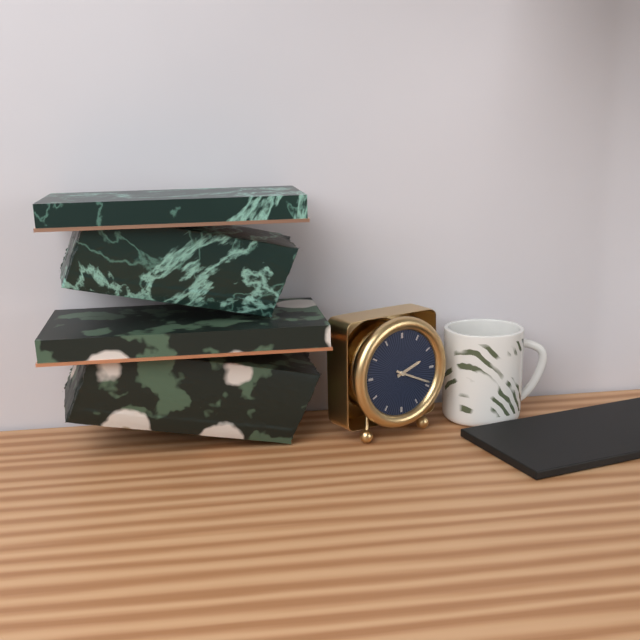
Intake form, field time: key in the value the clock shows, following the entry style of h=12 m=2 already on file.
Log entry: h=2 m=19
